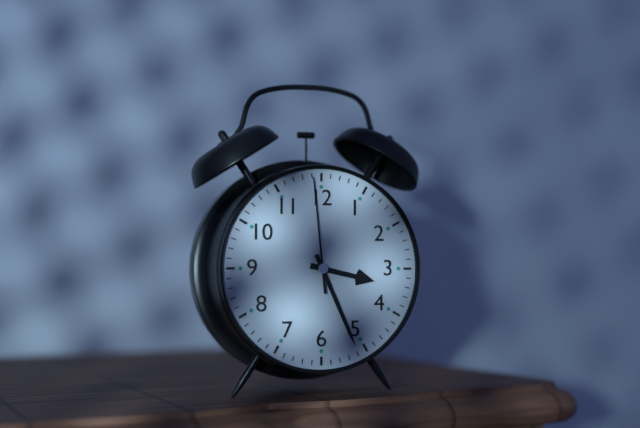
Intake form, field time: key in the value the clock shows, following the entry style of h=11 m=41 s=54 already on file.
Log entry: h=3 m=26 s=59
